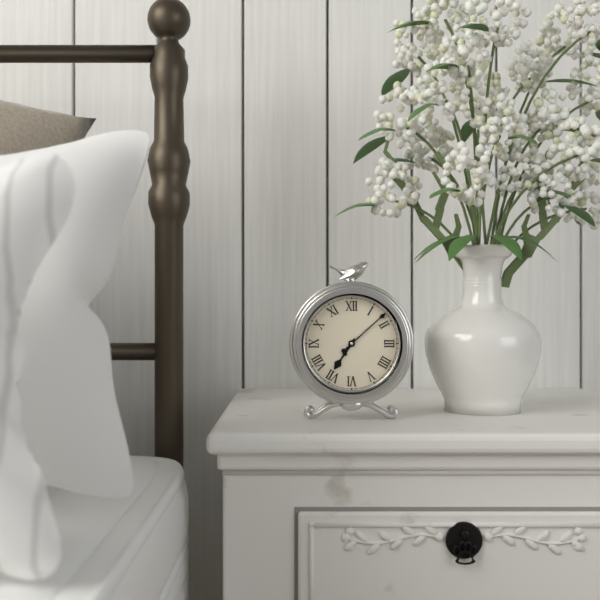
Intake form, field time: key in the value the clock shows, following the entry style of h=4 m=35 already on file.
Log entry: h=7 m=8
